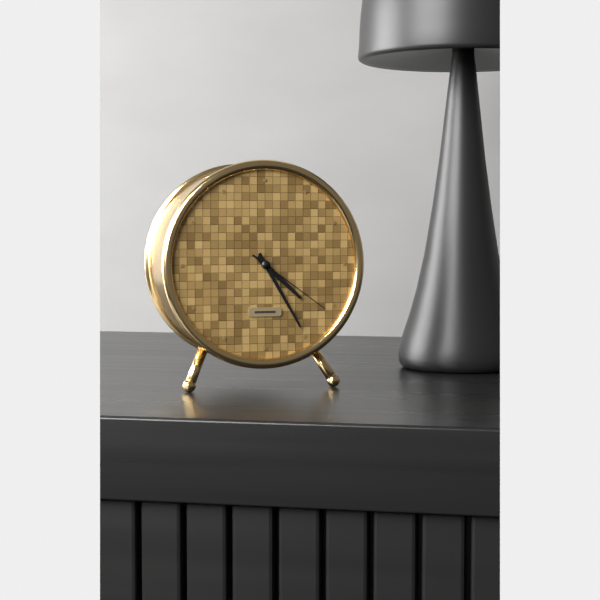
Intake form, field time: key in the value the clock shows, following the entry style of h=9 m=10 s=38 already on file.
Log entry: h=4 m=25 s=21
